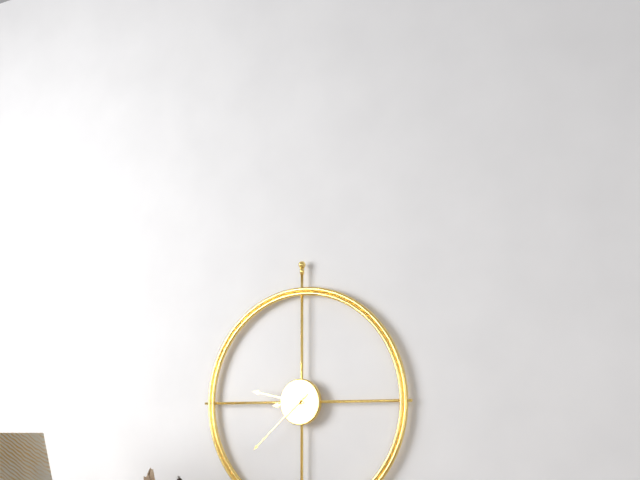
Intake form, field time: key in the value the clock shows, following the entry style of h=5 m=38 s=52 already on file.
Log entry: h=8 m=47 s=38
